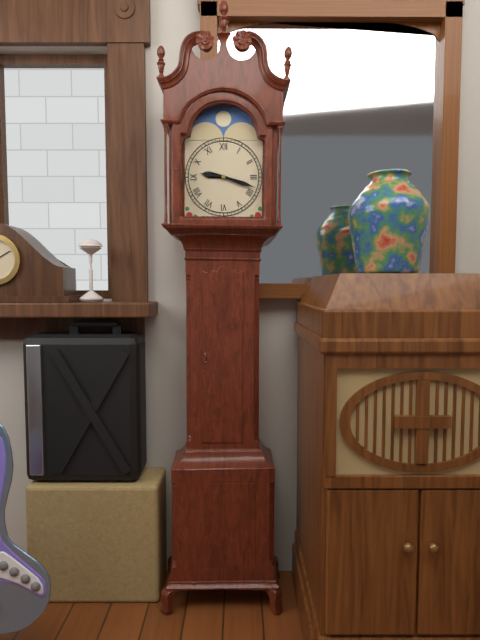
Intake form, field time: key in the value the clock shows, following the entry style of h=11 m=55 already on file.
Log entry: h=9 m=18
